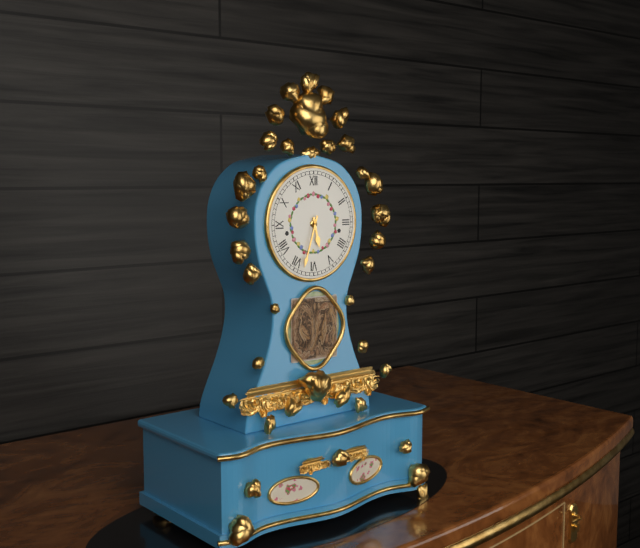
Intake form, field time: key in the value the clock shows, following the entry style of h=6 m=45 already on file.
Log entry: h=5 m=33
